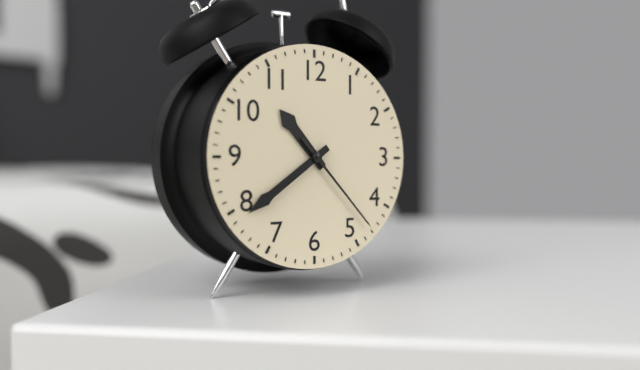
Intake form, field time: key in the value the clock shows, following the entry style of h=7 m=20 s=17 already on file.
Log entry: h=10 m=39 s=23
